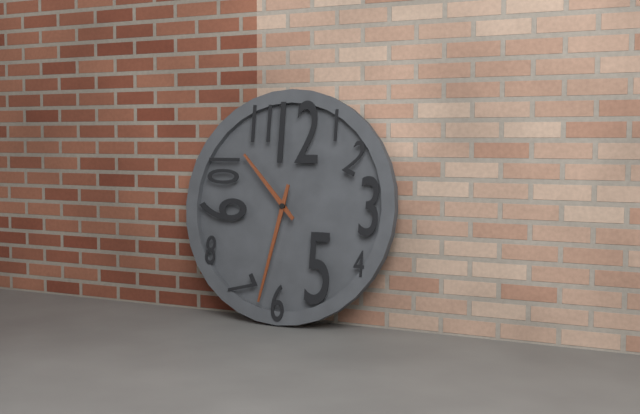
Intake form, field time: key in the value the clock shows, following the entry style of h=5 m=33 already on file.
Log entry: h=10 m=32
